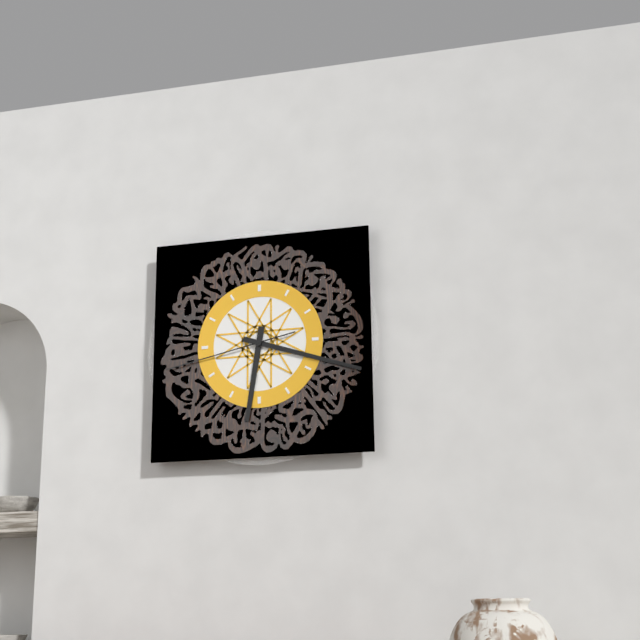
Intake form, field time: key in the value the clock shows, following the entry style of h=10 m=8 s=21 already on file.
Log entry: h=6 m=18 s=43
